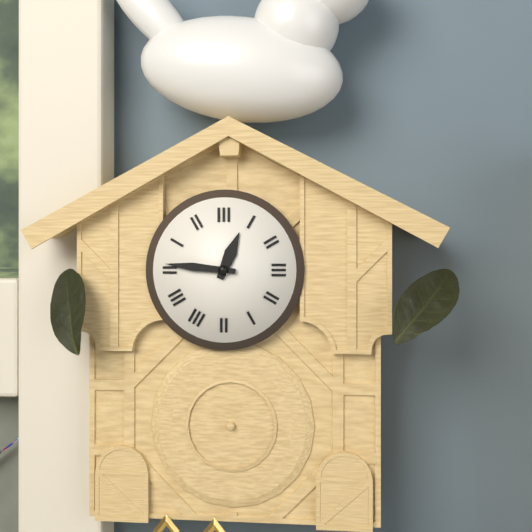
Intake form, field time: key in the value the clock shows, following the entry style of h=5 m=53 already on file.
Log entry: h=12 m=46
